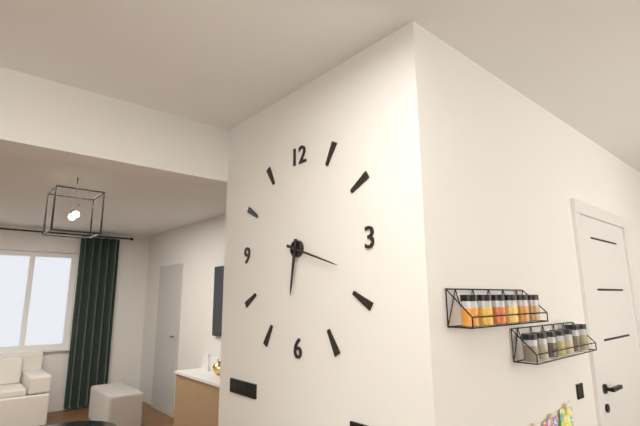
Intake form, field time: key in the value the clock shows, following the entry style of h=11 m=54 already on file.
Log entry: h=6 m=18
